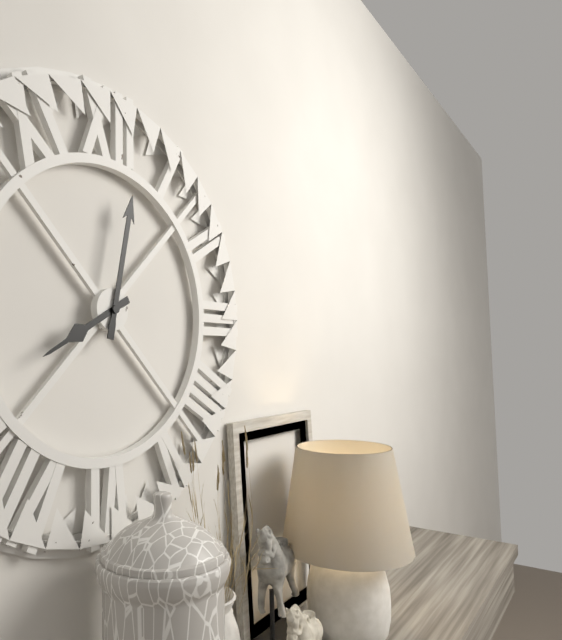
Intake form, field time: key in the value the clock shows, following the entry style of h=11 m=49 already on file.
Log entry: h=8 m=2
